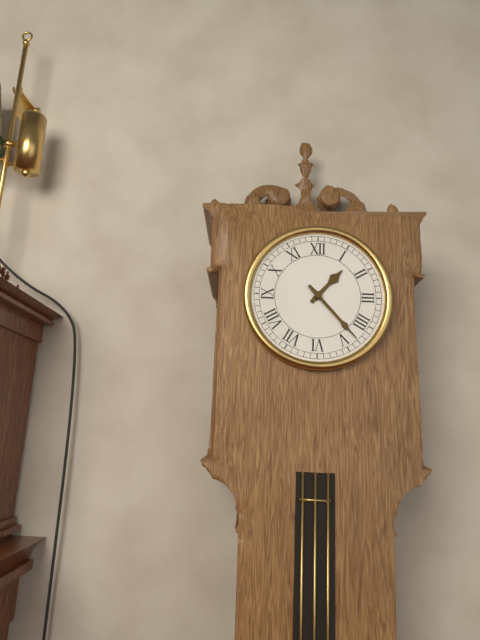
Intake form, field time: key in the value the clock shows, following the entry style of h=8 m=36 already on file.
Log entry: h=1 m=23
